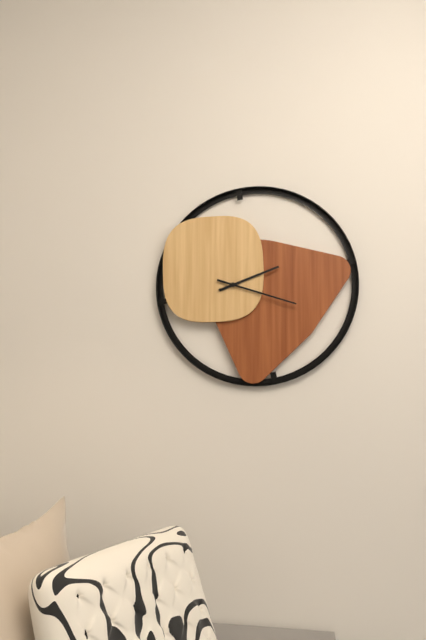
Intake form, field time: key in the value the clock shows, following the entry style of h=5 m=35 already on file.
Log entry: h=2 m=18
